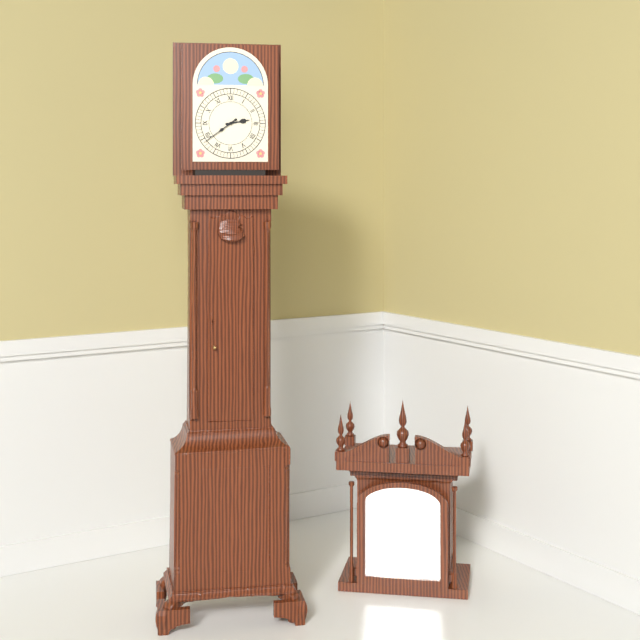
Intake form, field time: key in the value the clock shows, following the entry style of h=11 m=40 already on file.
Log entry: h=2 m=39
